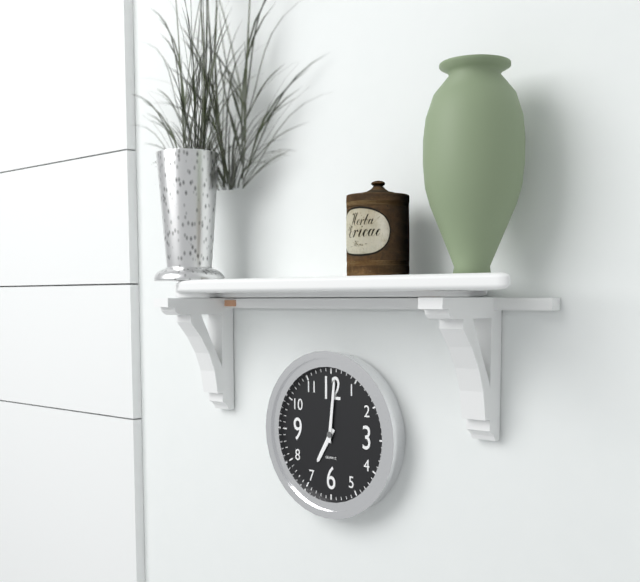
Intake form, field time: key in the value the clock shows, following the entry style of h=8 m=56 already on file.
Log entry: h=7 m=1
